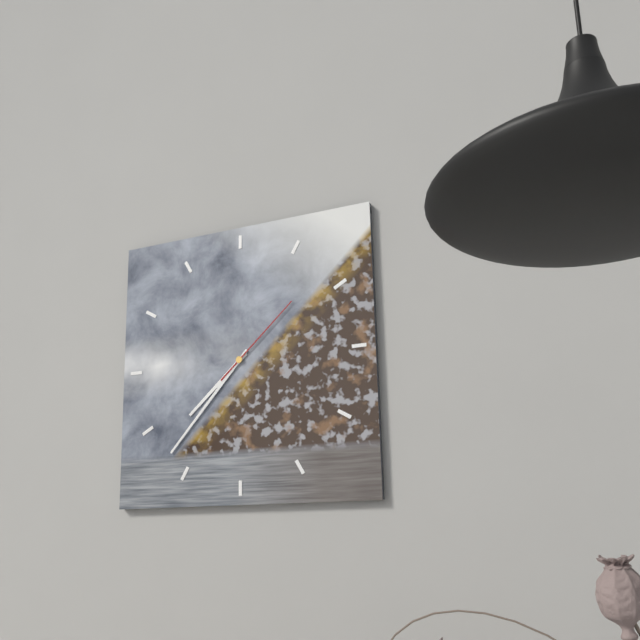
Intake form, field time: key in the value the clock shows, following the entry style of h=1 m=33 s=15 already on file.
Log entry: h=7 m=37 s=8
